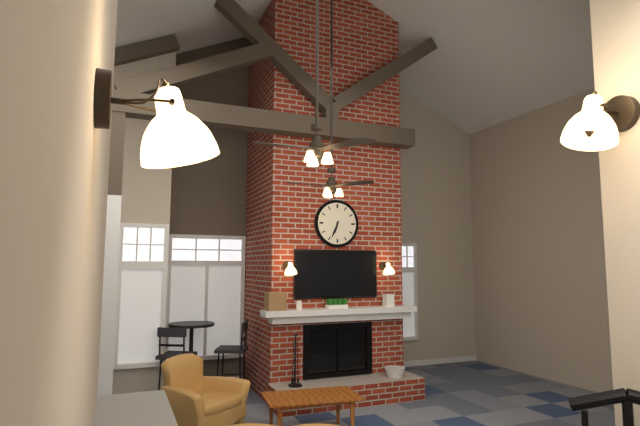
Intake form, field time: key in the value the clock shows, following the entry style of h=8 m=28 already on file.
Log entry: h=6 m=34
